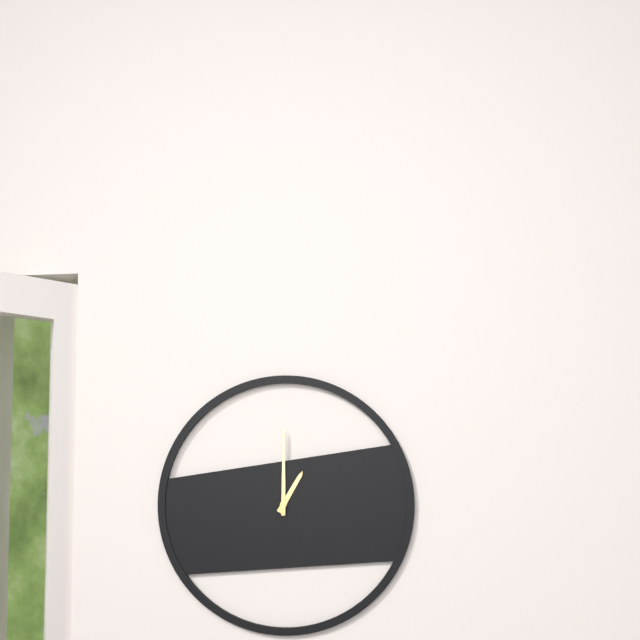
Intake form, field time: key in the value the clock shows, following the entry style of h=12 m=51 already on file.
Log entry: h=1 m=0
